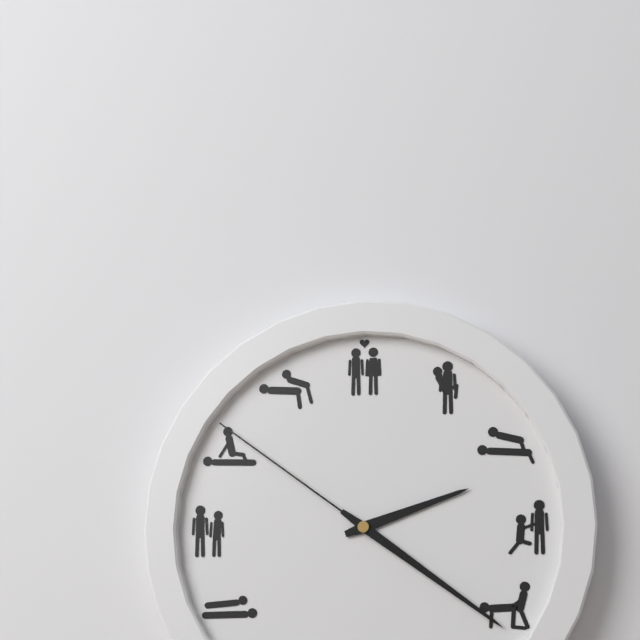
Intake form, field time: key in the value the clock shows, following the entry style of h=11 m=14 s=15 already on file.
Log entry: h=2 m=21 s=51
